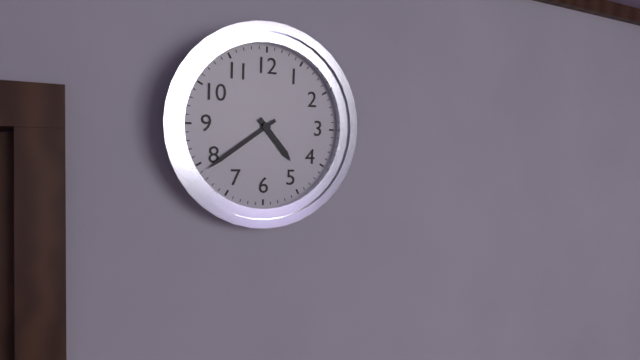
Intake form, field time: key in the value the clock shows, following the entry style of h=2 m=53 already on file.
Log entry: h=4 m=39
